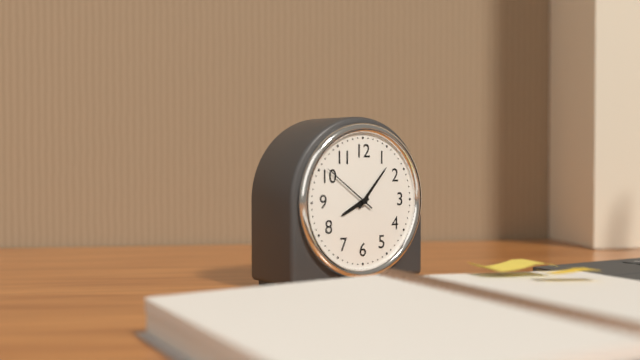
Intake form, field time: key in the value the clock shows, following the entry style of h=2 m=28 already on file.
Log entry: h=8 m=7
